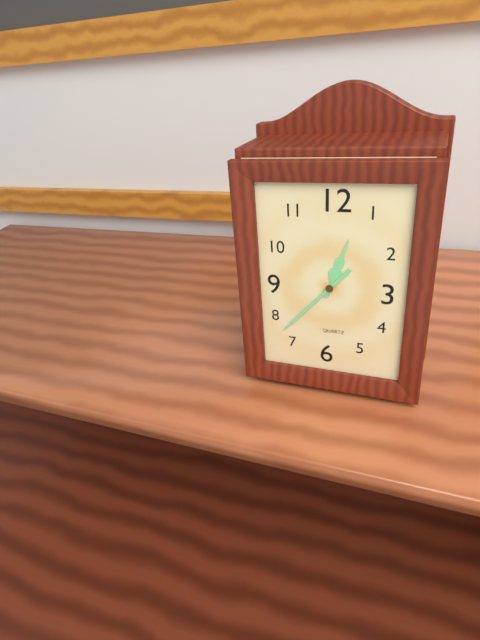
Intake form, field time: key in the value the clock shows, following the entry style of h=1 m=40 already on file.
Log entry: h=12 m=37
